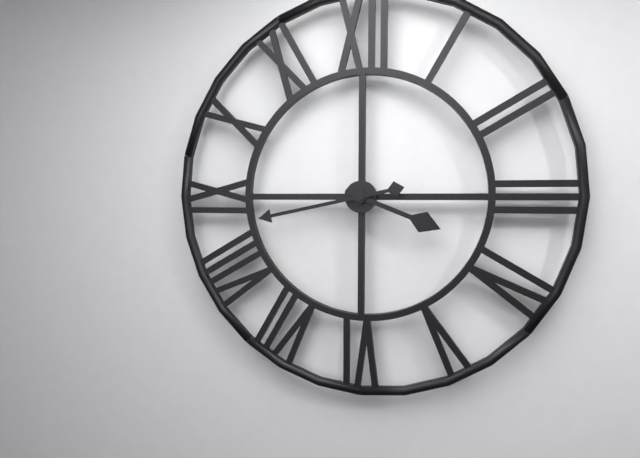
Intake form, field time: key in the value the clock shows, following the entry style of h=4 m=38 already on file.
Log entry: h=3 m=43
